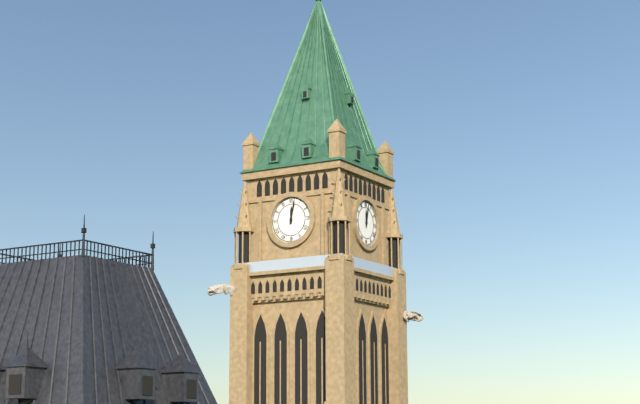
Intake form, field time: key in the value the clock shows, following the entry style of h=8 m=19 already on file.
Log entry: h=12 m=2
